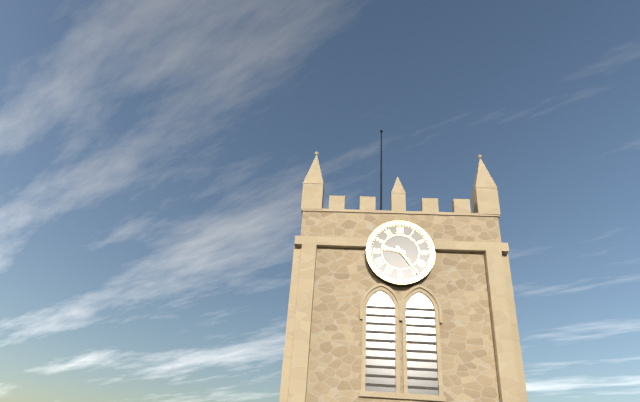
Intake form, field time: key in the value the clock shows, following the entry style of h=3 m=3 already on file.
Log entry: h=9 m=24
